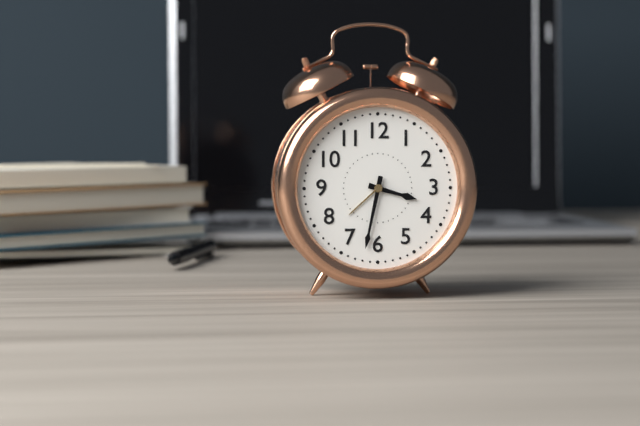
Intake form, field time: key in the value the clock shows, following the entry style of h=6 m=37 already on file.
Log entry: h=3 m=32
